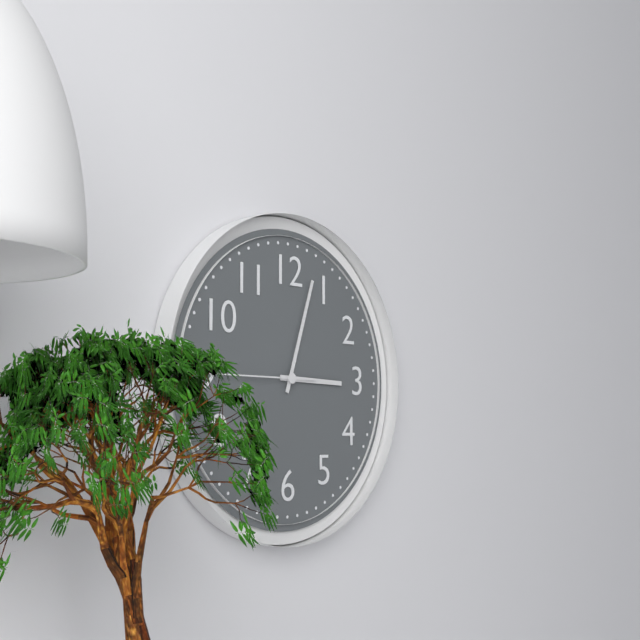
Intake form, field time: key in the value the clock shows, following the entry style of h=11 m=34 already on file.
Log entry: h=3 m=3
